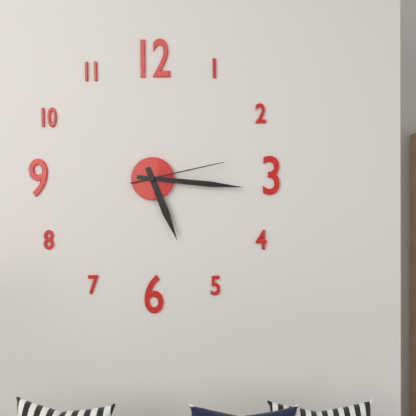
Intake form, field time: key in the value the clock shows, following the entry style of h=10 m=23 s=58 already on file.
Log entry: h=5 m=16 s=13
